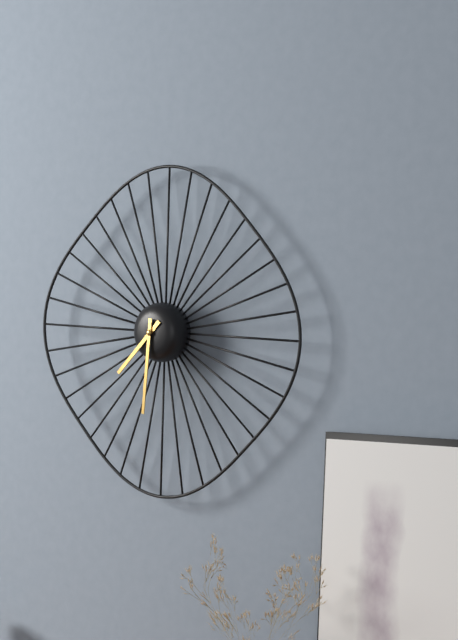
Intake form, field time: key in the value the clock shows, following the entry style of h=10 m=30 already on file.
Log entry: h=7 m=31
